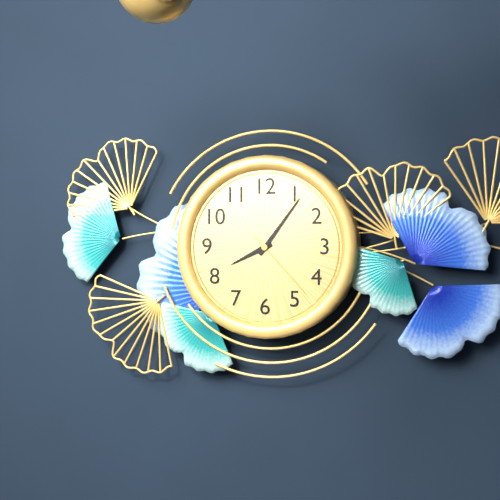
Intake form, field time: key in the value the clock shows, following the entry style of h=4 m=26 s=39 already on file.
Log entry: h=8 m=6 s=23
